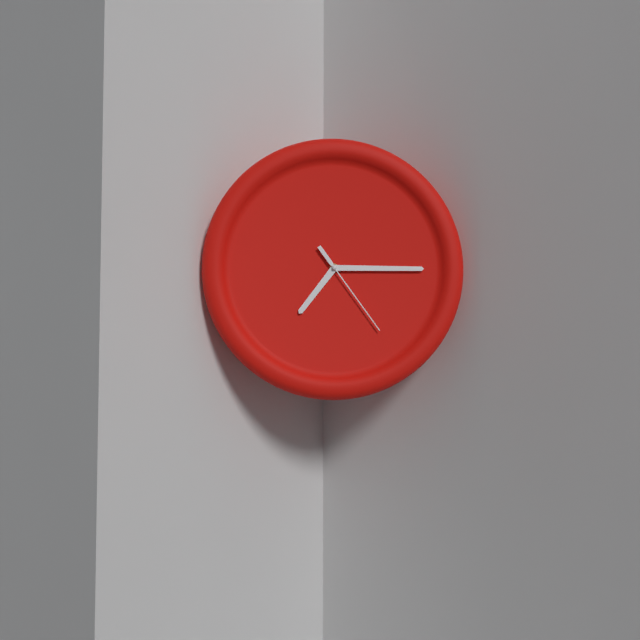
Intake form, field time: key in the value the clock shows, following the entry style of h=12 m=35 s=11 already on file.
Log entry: h=7 m=15 s=24
